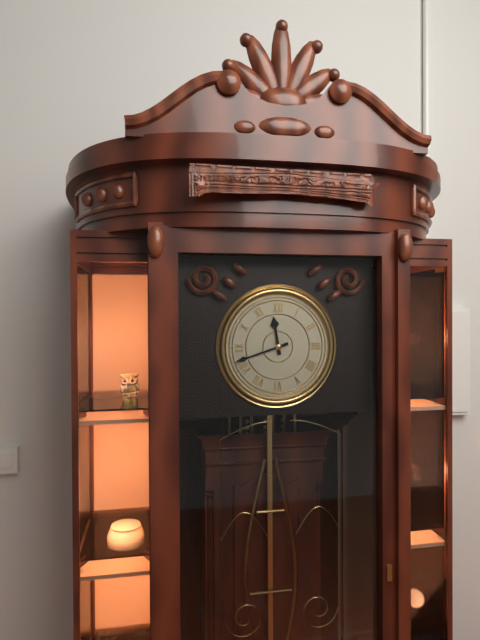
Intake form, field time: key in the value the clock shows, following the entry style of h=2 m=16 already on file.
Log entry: h=11 m=42
